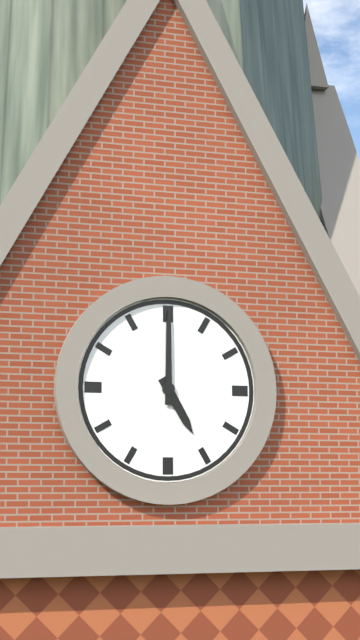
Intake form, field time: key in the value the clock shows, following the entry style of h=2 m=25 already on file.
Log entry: h=5 m=0
